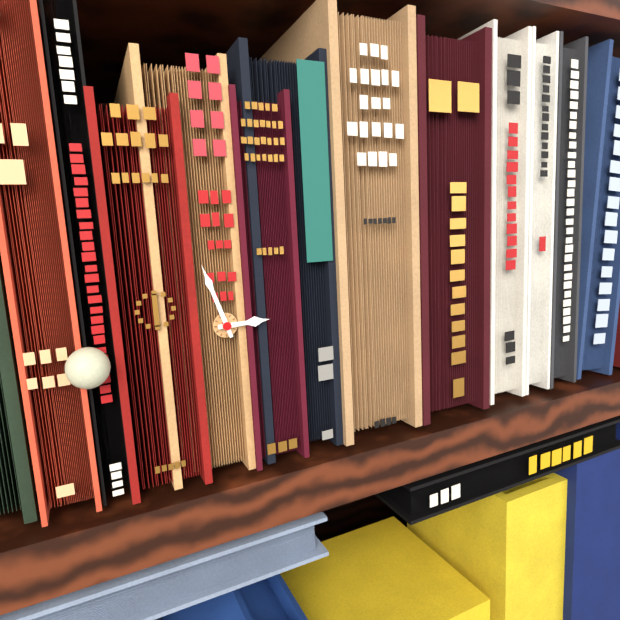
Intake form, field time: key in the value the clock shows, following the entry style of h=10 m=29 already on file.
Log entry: h=2 m=57
